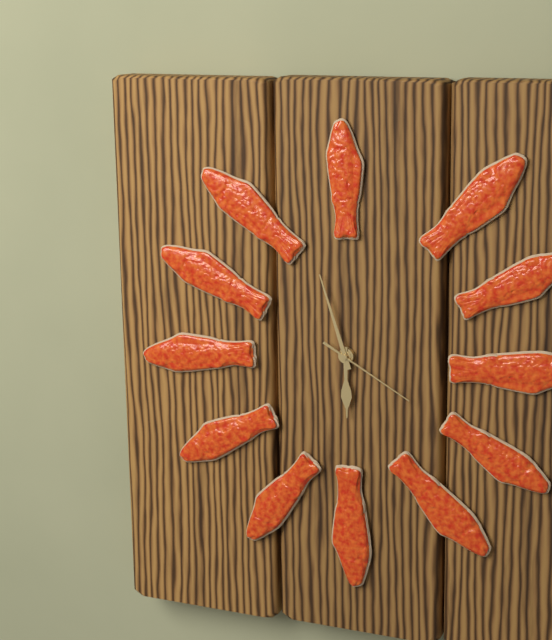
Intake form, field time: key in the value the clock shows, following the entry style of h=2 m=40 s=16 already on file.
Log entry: h=5 m=57 s=20
